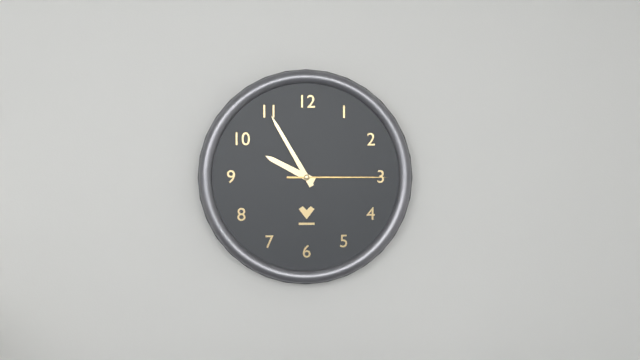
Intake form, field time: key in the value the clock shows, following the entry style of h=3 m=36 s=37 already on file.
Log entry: h=9 m=55 s=15
